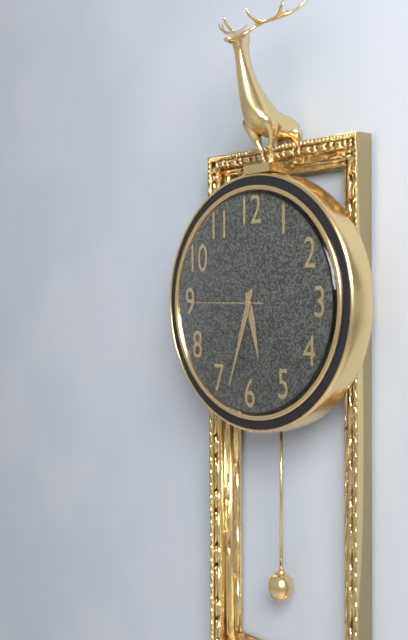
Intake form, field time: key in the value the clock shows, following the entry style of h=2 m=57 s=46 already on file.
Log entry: h=5 m=33 s=45
